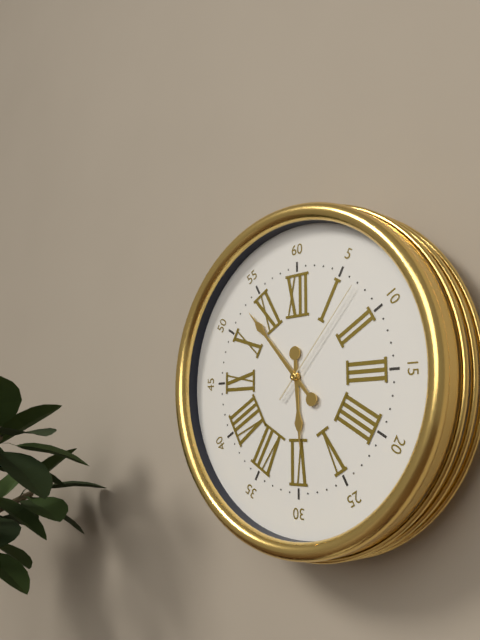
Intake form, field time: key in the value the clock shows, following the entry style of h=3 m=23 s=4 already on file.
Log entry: h=5 m=53 s=7
